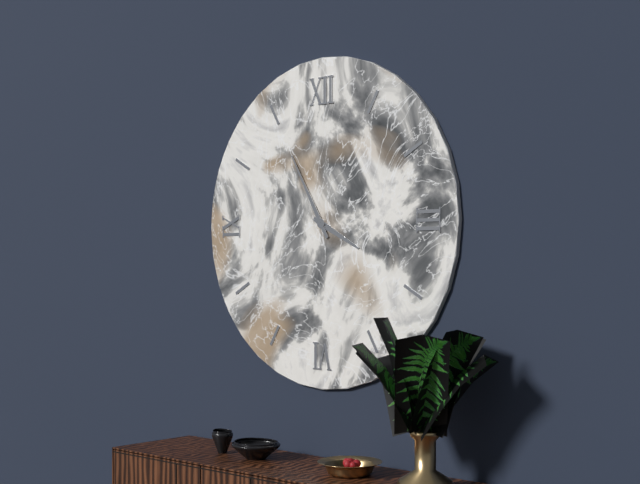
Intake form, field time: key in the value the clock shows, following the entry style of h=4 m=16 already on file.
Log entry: h=3 m=55
